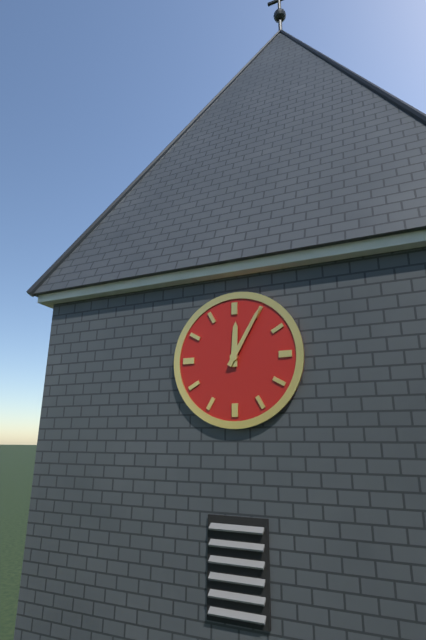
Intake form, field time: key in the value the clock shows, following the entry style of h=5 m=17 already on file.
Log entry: h=12 m=5
